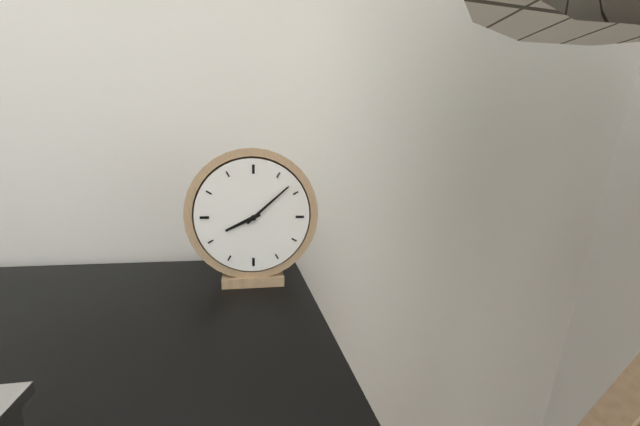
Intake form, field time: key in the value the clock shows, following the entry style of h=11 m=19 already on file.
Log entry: h=8 m=8
